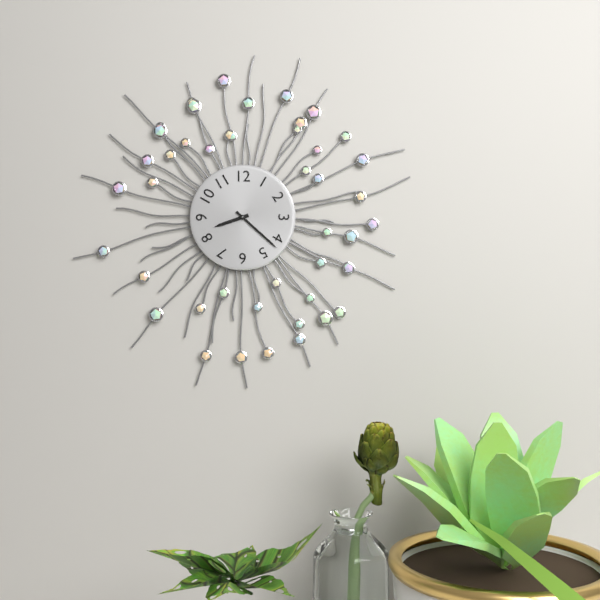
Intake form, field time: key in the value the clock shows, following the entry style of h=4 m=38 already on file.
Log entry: h=8 m=22
